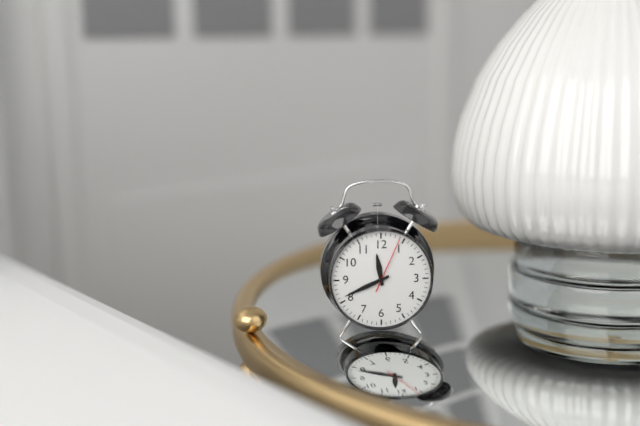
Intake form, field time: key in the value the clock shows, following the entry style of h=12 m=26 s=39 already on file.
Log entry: h=11 m=41 s=4
